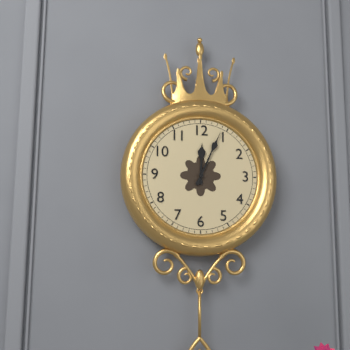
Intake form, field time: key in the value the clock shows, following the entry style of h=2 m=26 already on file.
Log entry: h=12 m=4
